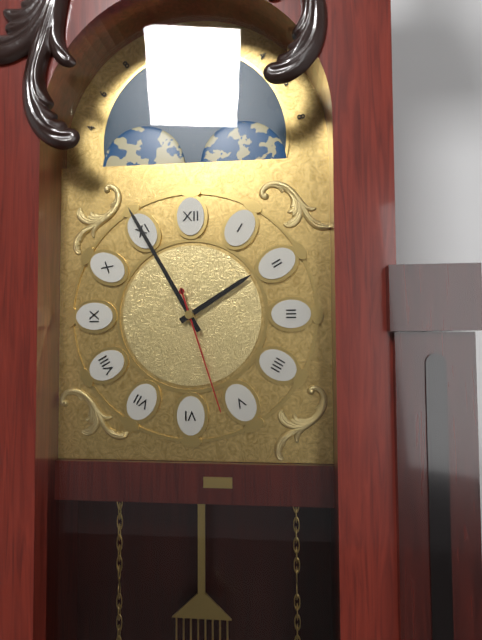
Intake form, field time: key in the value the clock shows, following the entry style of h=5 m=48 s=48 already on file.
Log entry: h=1 m=55 s=27
